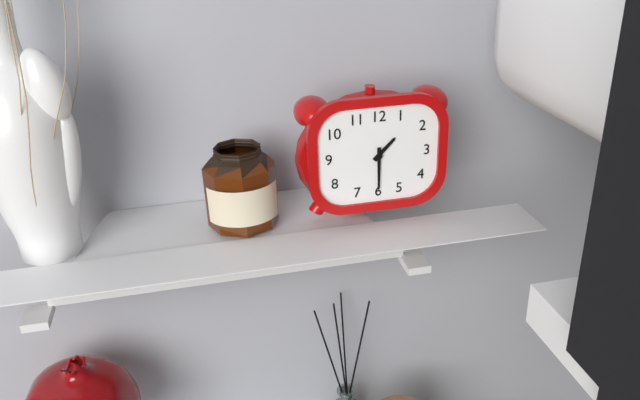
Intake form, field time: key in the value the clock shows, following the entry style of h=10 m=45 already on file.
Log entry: h=1 m=30
